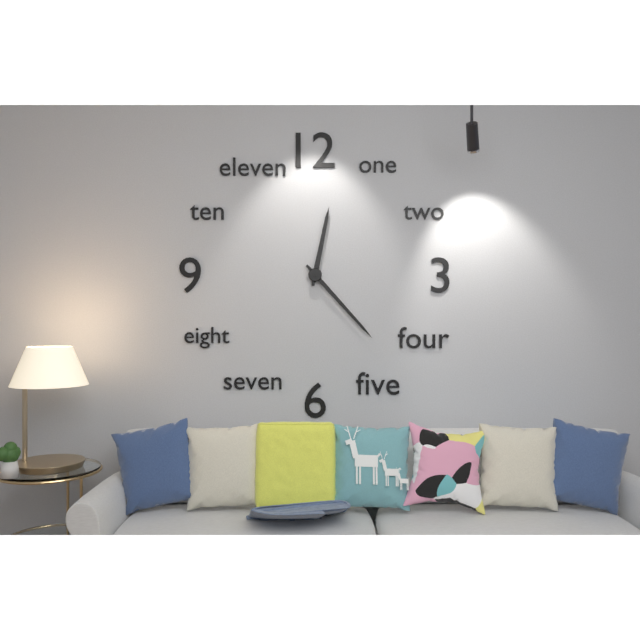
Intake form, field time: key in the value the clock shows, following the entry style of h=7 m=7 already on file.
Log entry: h=12 m=23
